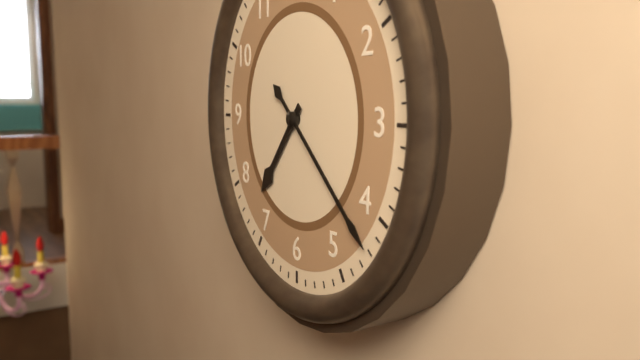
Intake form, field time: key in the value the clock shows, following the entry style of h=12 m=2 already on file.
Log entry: h=7 m=22
